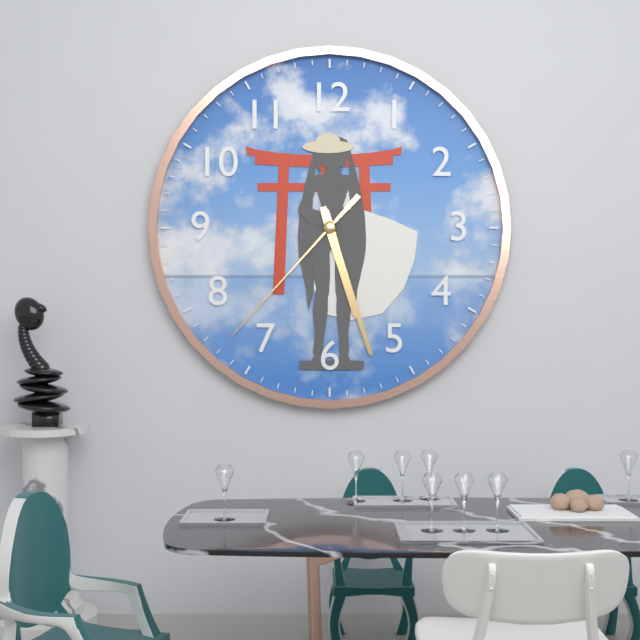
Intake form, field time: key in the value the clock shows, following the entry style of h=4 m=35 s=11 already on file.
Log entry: h=5 m=27 s=37
